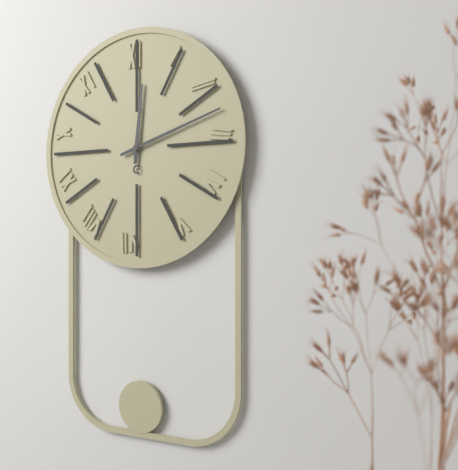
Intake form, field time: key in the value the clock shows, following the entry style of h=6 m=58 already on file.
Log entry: h=12 m=12
